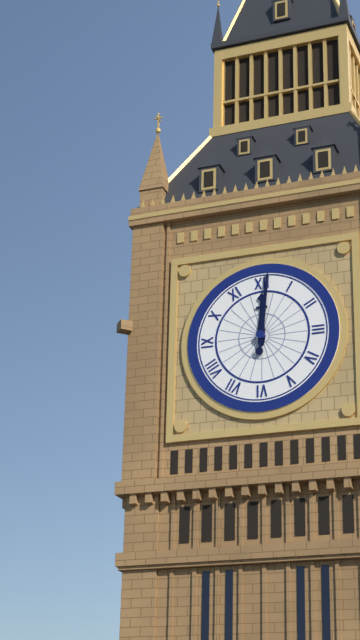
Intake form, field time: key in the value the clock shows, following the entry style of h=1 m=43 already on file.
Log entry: h=12 m=1
